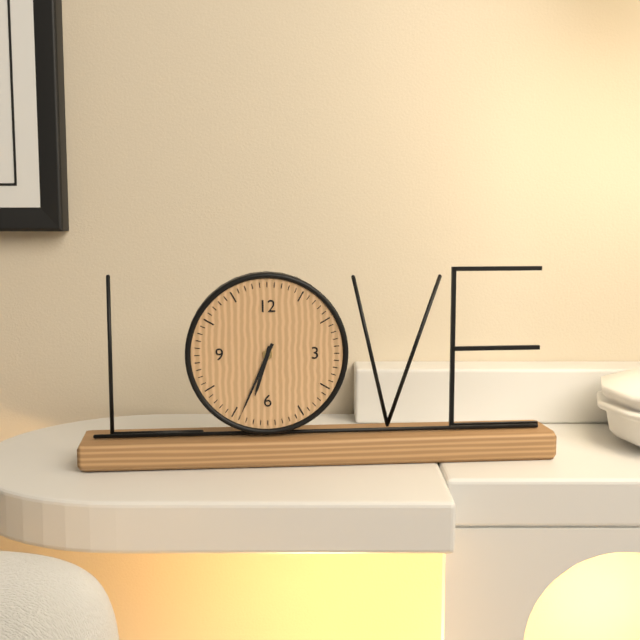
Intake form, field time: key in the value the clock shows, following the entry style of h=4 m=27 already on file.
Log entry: h=6 m=34
